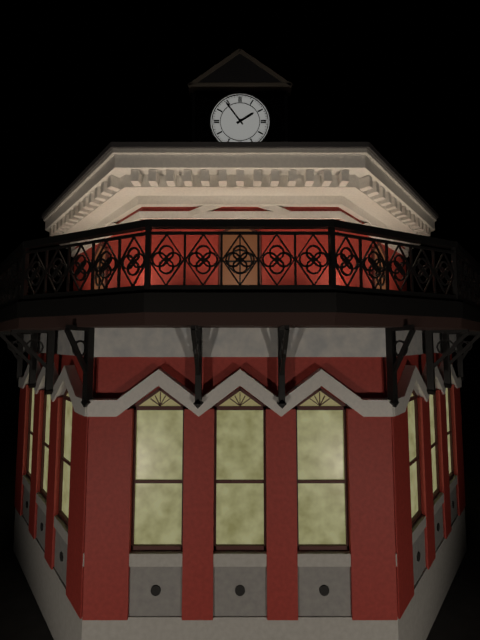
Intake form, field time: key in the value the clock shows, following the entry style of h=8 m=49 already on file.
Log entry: h=1 m=54
